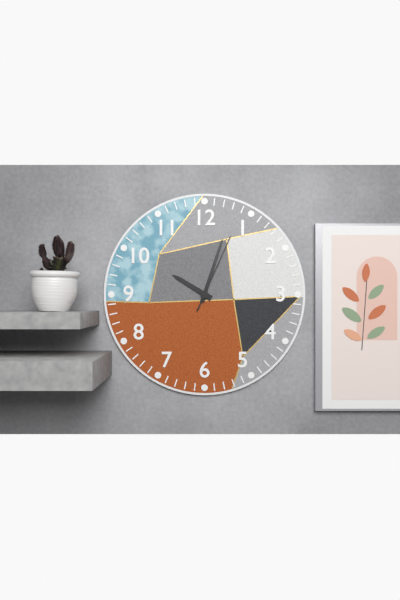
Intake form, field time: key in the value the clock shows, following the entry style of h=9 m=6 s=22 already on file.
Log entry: h=10 m=3 s=4
